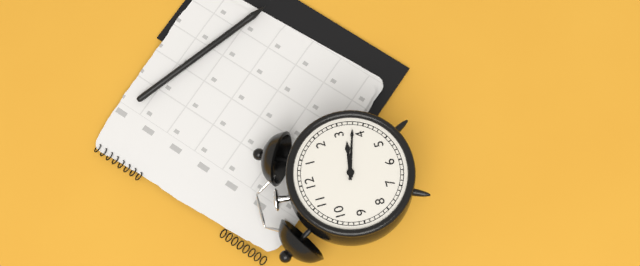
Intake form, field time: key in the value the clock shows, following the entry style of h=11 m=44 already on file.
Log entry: h=3 m=18
